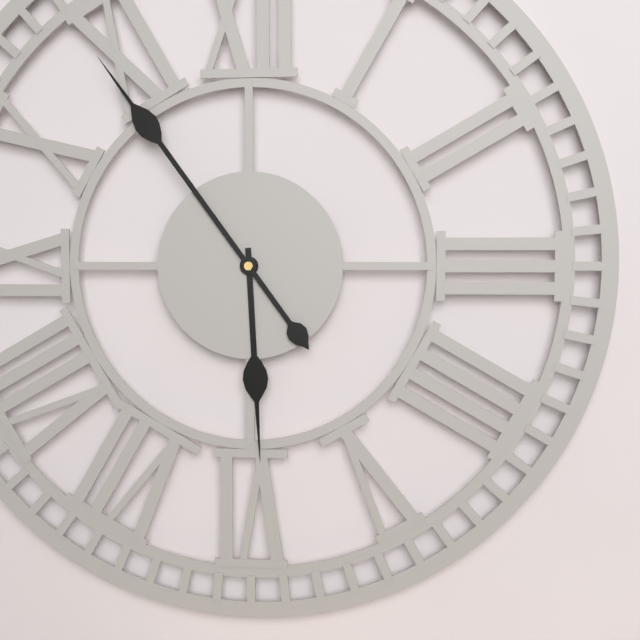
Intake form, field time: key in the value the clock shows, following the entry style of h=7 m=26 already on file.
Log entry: h=5 m=54
